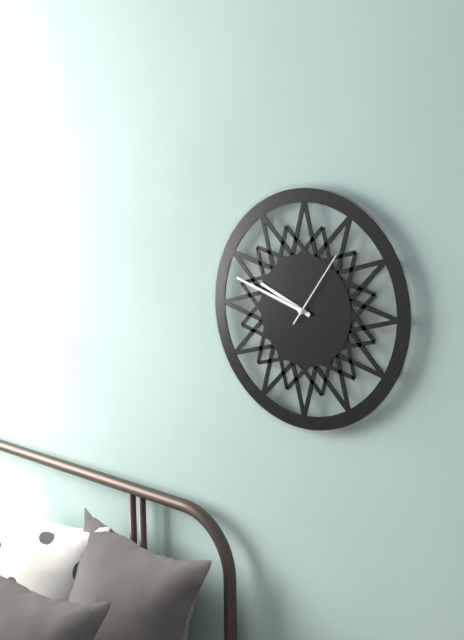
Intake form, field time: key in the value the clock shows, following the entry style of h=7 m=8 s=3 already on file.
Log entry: h=9 m=48 s=6
